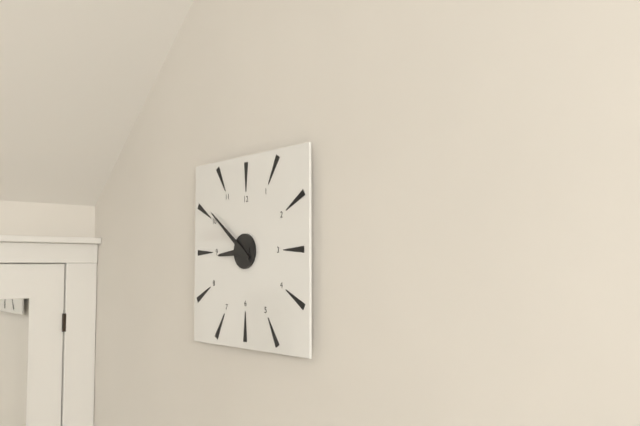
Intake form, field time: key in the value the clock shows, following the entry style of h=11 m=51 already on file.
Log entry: h=8 m=51
